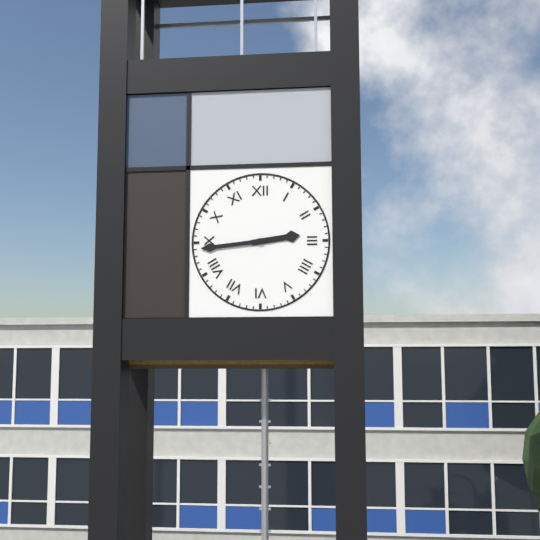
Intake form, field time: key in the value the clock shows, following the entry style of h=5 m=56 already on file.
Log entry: h=2 m=44
